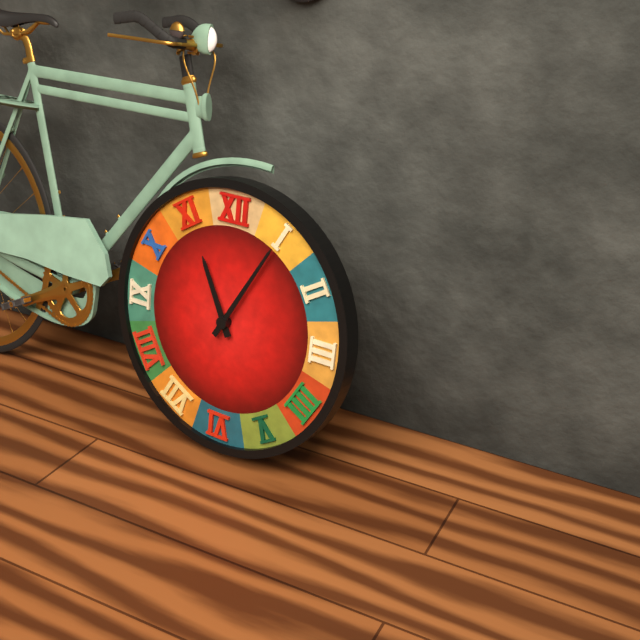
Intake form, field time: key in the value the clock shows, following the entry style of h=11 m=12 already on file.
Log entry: h=11 m=5
